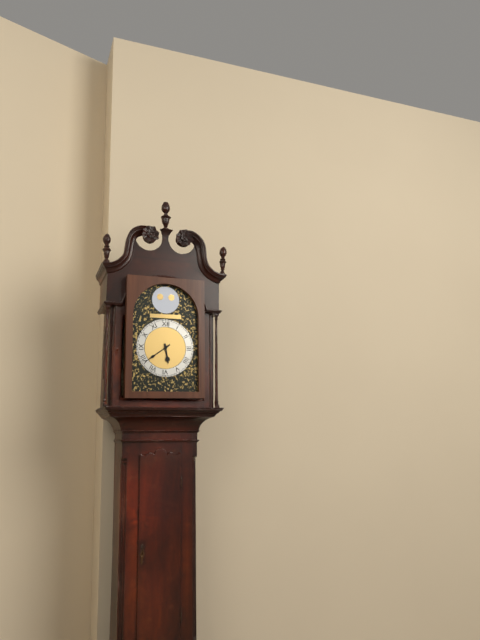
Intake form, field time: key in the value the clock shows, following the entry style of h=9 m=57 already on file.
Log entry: h=5 m=39
